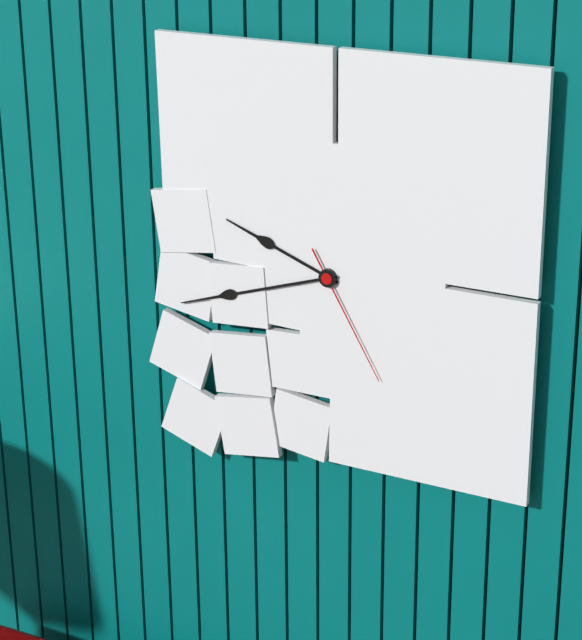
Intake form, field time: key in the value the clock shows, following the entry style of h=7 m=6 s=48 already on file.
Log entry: h=9 m=42 s=25
